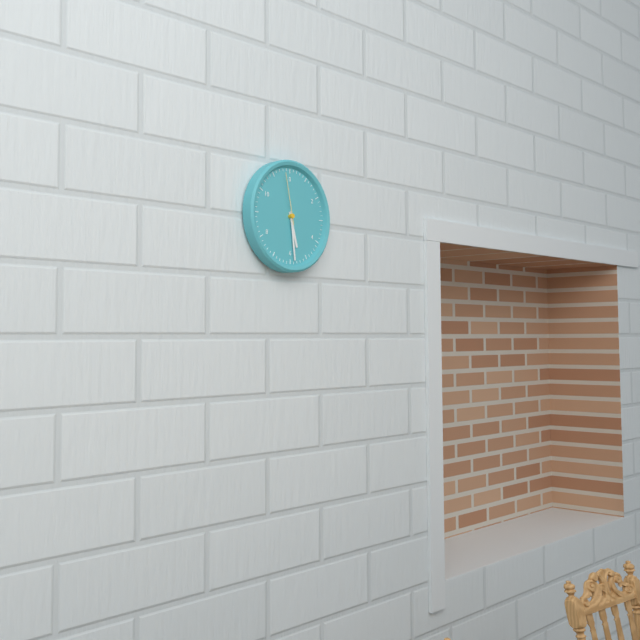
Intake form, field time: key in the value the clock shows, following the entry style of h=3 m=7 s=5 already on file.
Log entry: h=5 m=29 s=58
